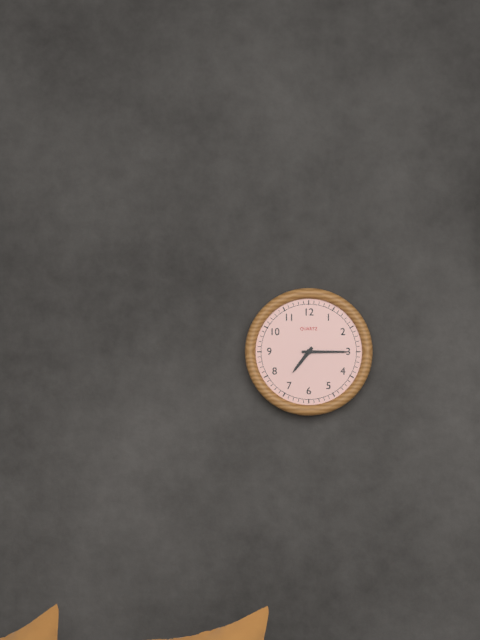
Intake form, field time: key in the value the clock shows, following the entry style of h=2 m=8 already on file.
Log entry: h=7 m=15
